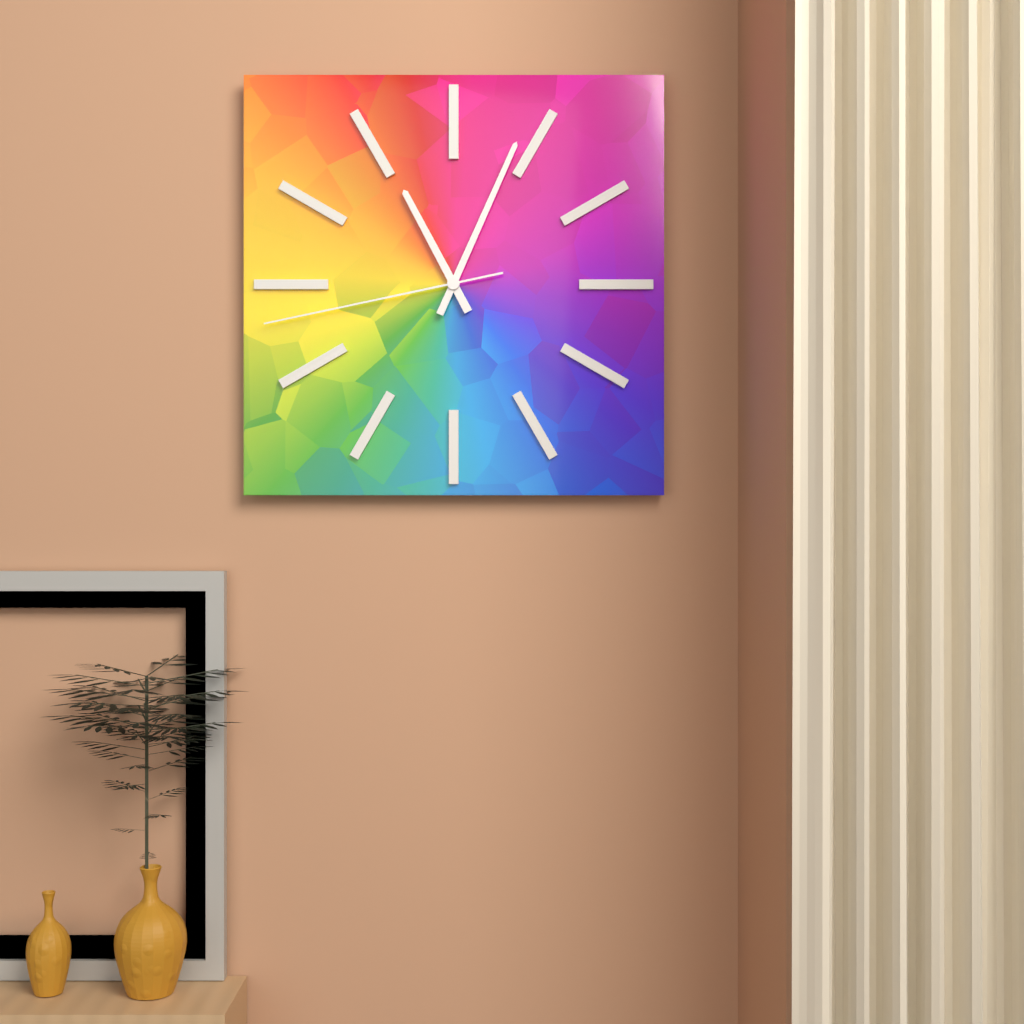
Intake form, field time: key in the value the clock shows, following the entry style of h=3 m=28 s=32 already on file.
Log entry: h=11 m=4 s=43
